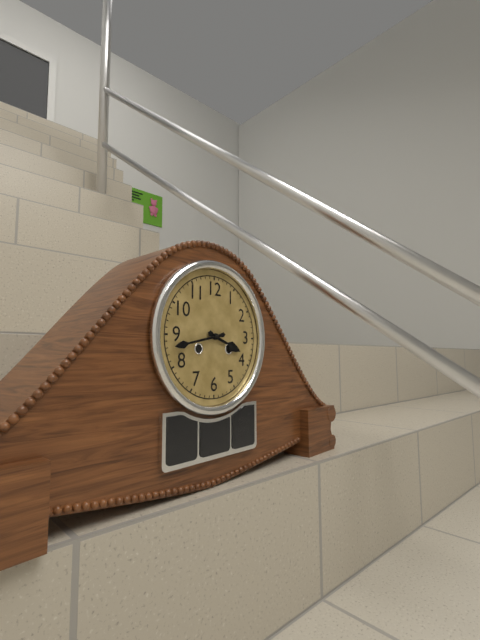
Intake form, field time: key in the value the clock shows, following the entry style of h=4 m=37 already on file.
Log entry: h=3 m=43
